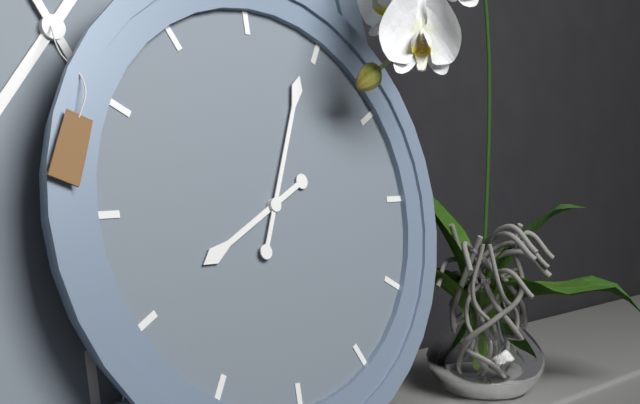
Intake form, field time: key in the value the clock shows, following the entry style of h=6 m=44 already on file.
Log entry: h=8 m=4
